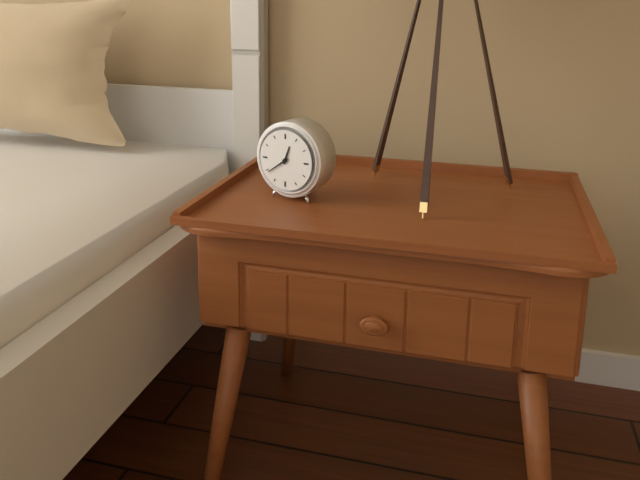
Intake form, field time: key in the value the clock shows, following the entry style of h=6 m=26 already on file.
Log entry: h=12 m=39
